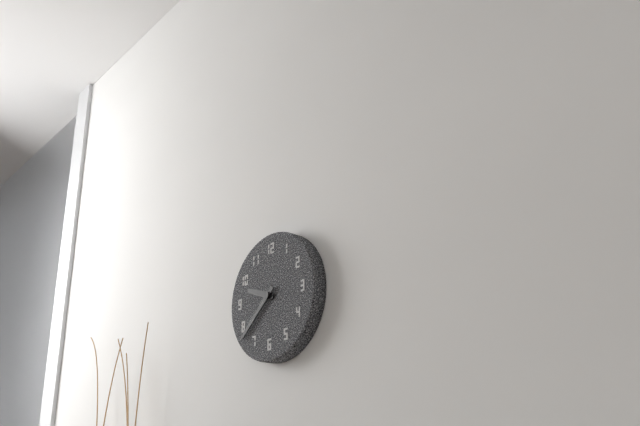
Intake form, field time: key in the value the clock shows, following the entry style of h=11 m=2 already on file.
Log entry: h=9 m=38
